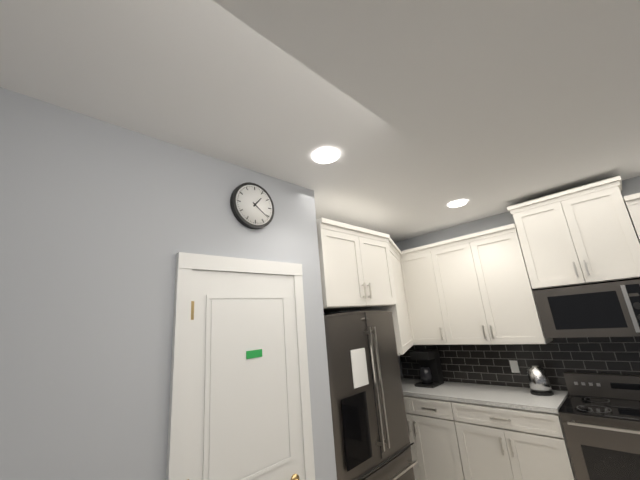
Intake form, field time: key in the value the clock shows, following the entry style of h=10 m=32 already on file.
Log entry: h=1 m=21
